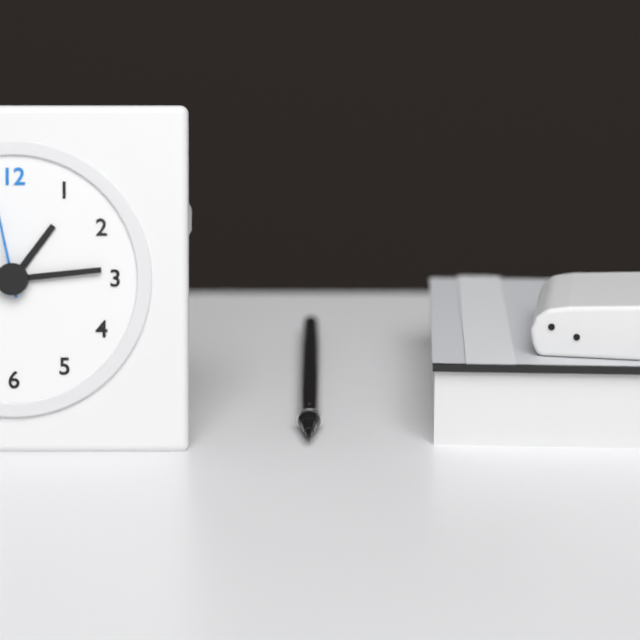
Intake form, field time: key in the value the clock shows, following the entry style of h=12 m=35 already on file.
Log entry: h=1 m=14
